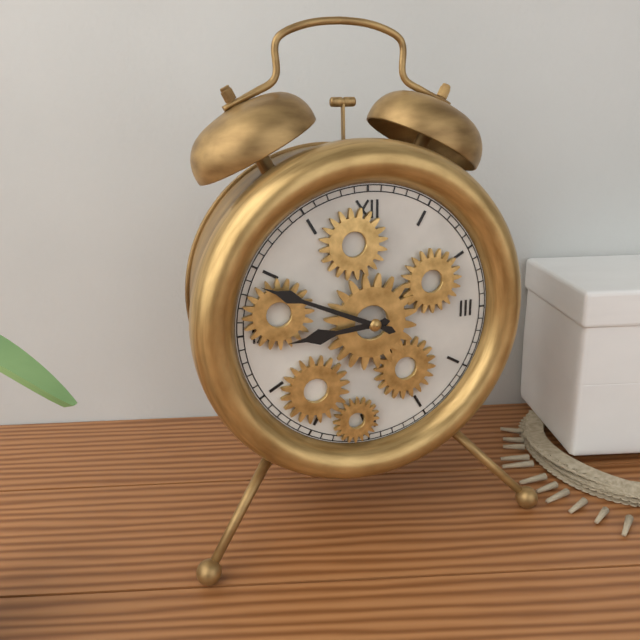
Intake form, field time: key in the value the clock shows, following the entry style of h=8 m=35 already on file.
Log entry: h=8 m=49
